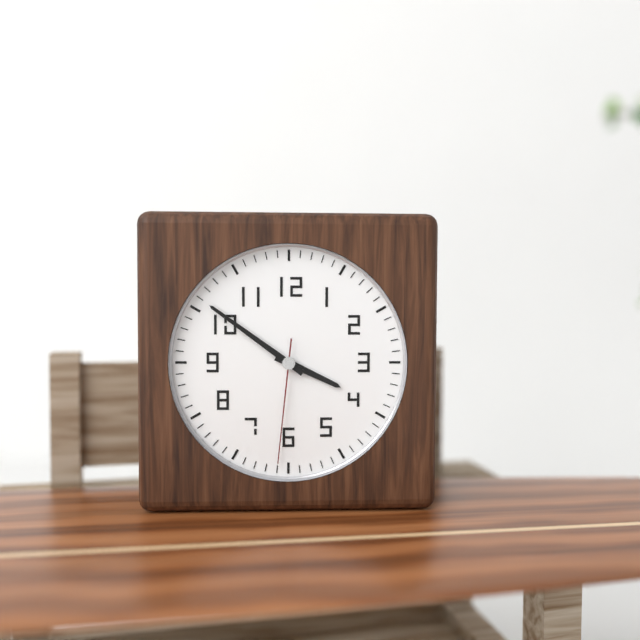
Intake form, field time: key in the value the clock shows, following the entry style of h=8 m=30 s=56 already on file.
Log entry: h=3 m=51 s=31
